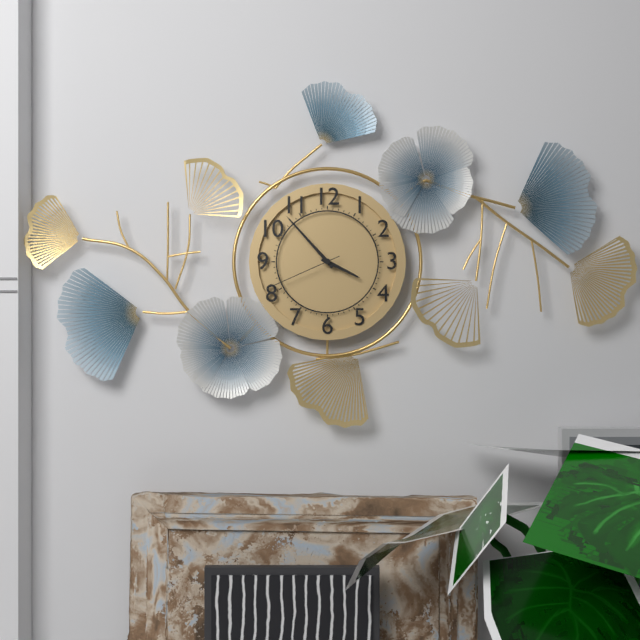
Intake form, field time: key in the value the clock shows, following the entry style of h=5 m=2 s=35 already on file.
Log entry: h=3 m=53 s=41
